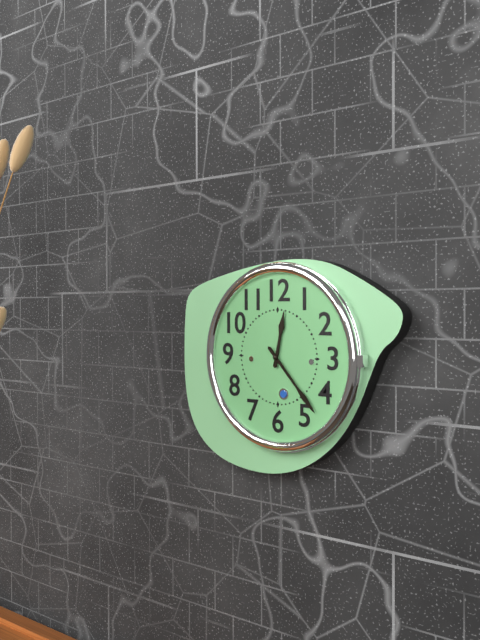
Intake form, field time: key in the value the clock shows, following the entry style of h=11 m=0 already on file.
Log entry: h=12 m=23
